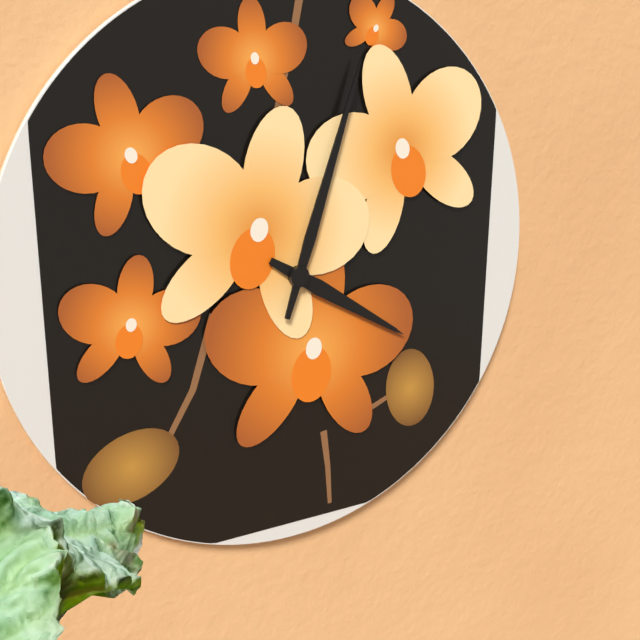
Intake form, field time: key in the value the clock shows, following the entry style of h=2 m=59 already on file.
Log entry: h=4 m=3
